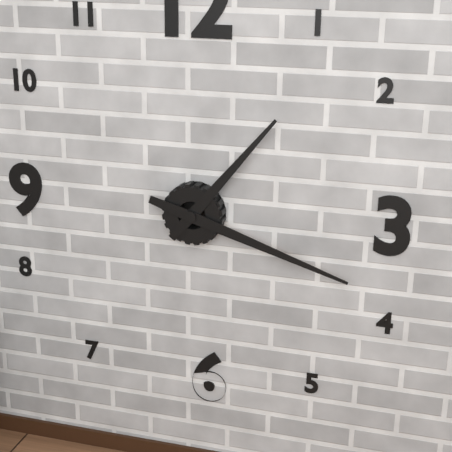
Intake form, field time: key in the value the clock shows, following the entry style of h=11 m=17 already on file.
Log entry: h=1 m=18
